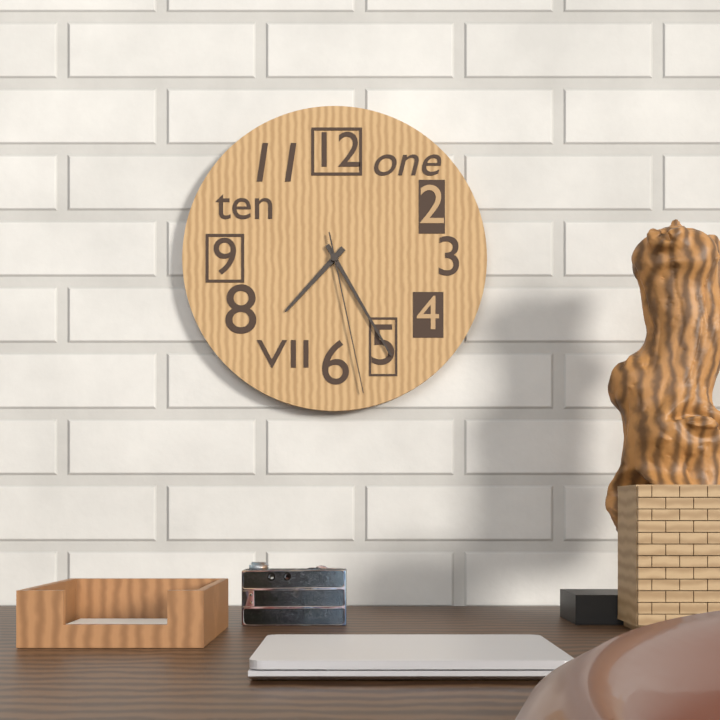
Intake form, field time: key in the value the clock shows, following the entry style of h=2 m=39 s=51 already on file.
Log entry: h=7 m=25 s=28
